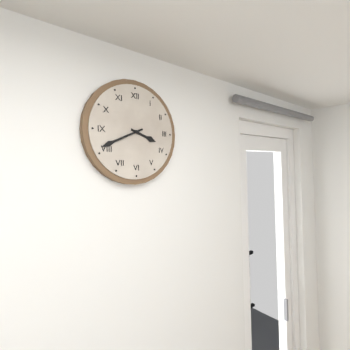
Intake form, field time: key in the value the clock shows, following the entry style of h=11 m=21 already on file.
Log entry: h=3 m=41
